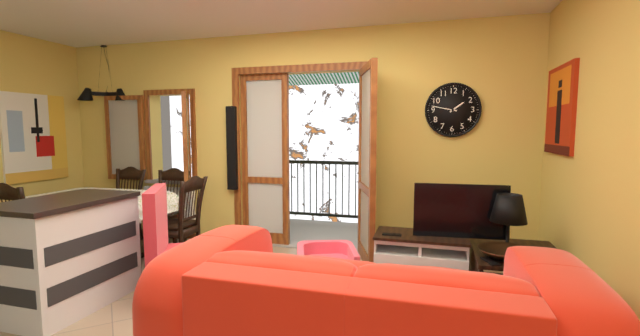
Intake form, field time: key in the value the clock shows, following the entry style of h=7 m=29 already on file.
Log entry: h=1 m=47
